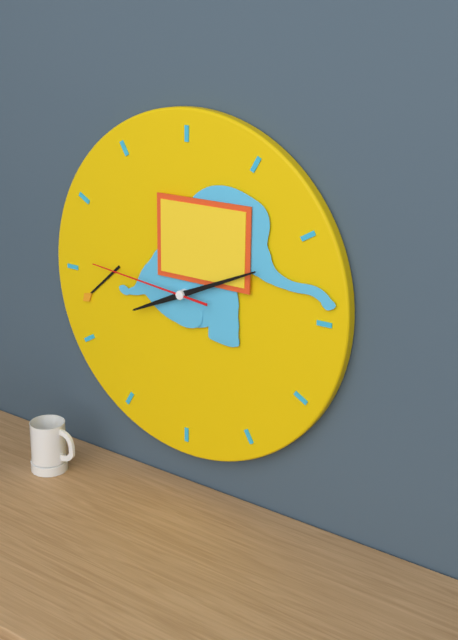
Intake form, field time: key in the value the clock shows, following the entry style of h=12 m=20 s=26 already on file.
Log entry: h=8 m=11 s=46
